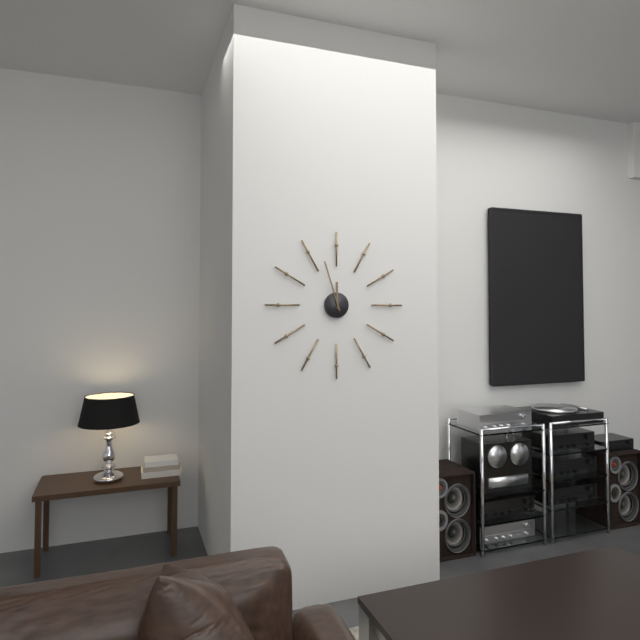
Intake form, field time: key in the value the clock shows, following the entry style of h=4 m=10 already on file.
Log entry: h=11 m=57
